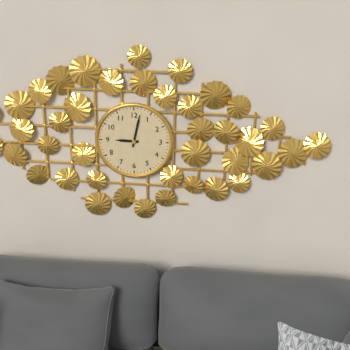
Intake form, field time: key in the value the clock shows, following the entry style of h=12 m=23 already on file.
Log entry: h=9 m=2
